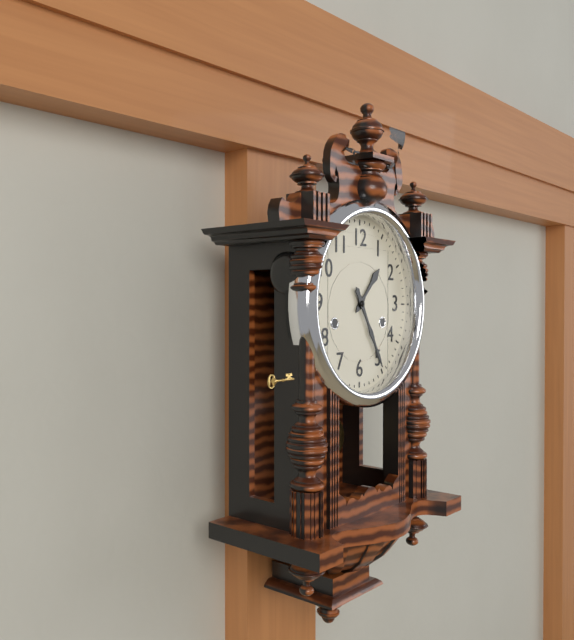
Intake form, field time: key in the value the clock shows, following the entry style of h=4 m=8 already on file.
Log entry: h=1 m=25
